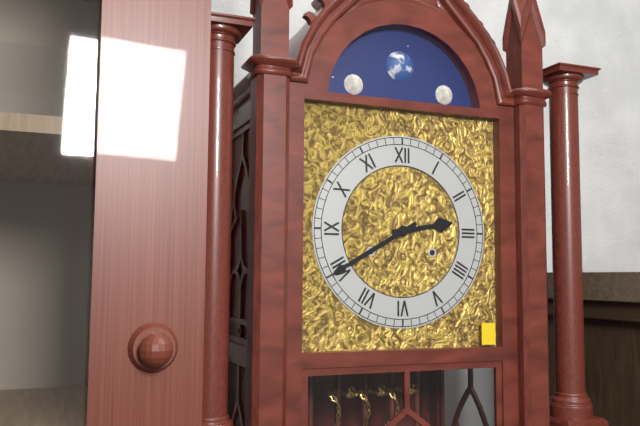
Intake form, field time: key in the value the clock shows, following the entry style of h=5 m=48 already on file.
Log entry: h=2 m=40
